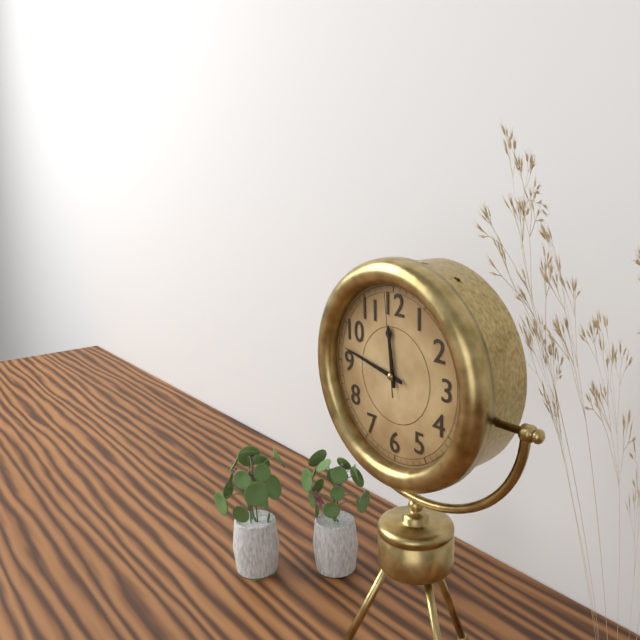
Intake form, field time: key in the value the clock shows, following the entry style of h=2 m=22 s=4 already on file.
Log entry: h=11 m=47 s=59
